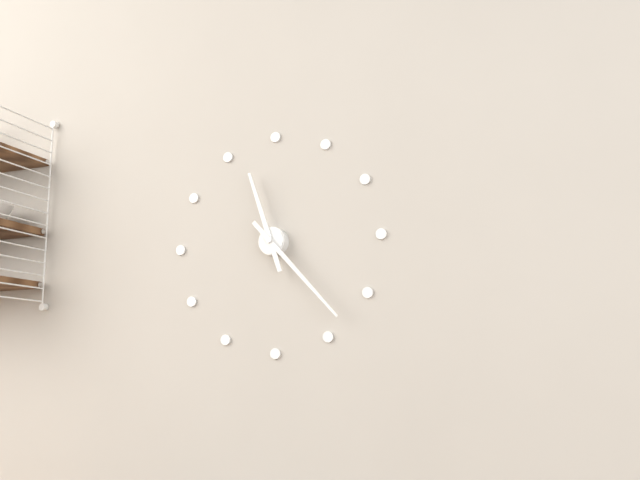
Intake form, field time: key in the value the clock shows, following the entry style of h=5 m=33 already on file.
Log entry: h=11 m=23
